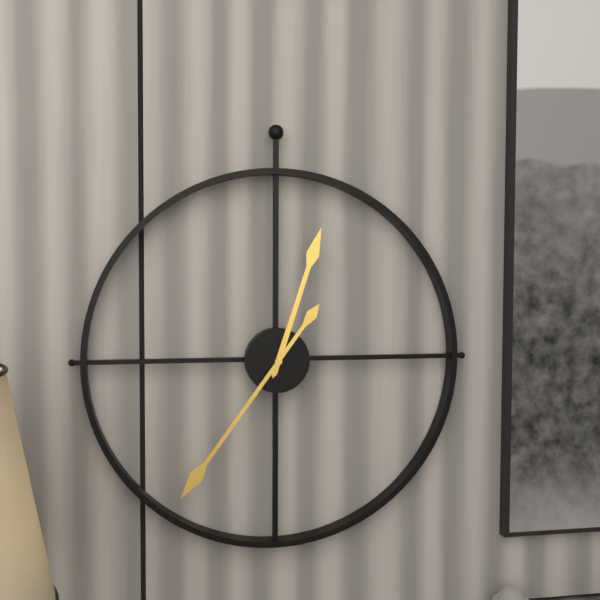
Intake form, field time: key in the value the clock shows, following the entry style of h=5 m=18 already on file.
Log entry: h=12 m=36
